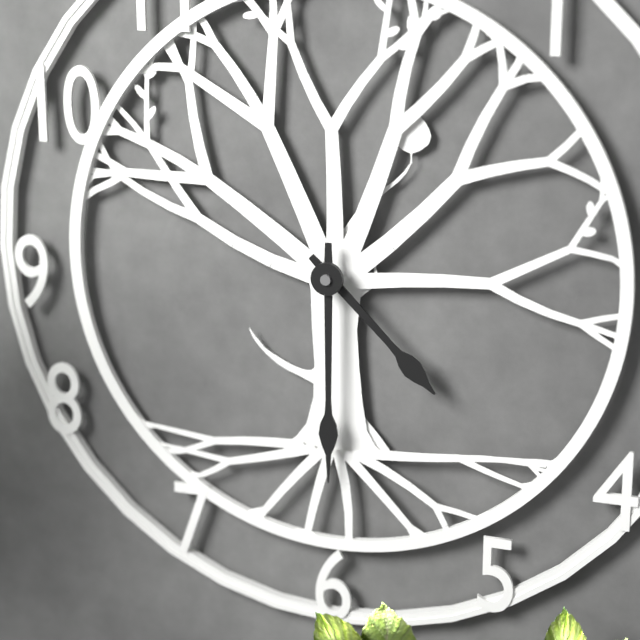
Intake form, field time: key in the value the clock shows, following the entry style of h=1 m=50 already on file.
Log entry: h=4 m=30
